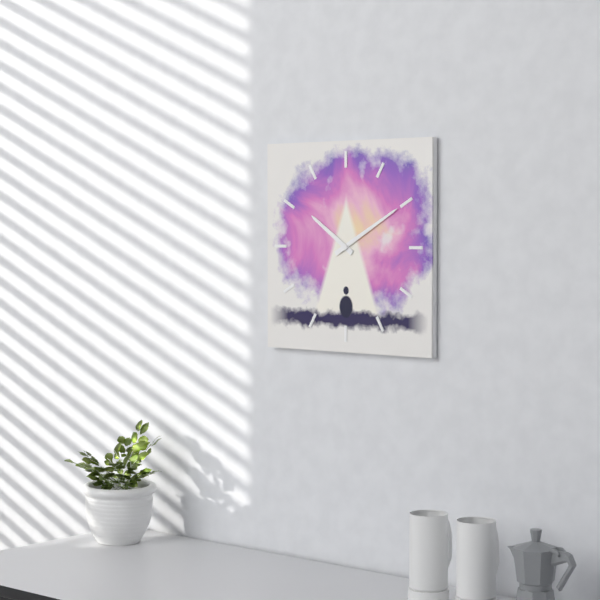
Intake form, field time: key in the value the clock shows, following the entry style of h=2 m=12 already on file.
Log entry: h=10 m=10
